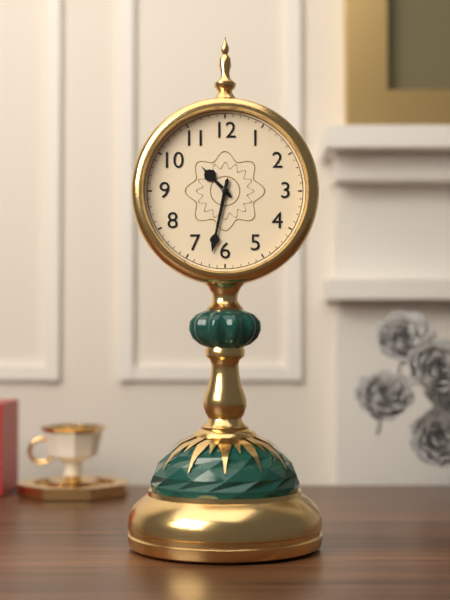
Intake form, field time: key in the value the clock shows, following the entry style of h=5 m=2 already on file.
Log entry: h=10 m=32
